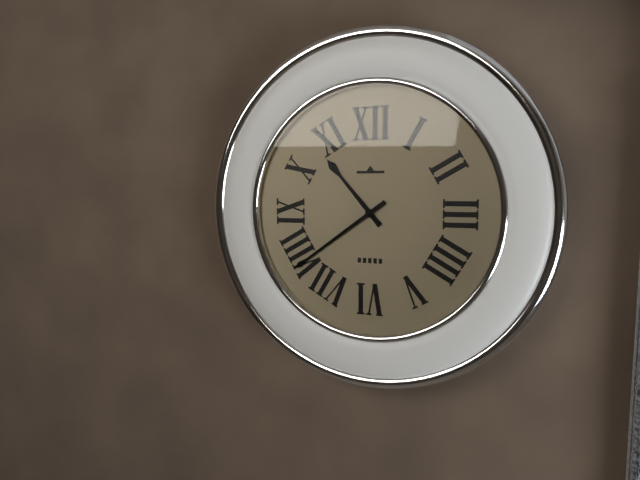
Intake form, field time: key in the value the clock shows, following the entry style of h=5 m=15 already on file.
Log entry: h=10 m=39
